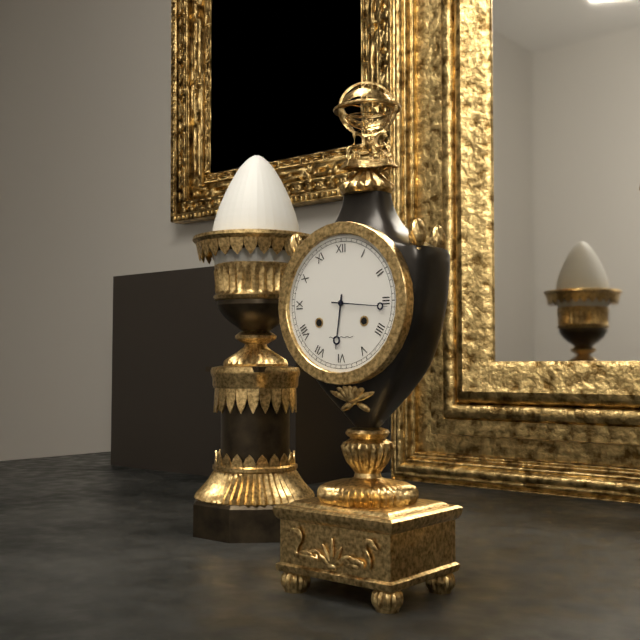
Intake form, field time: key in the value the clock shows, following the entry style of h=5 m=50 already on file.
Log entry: h=6 m=16
